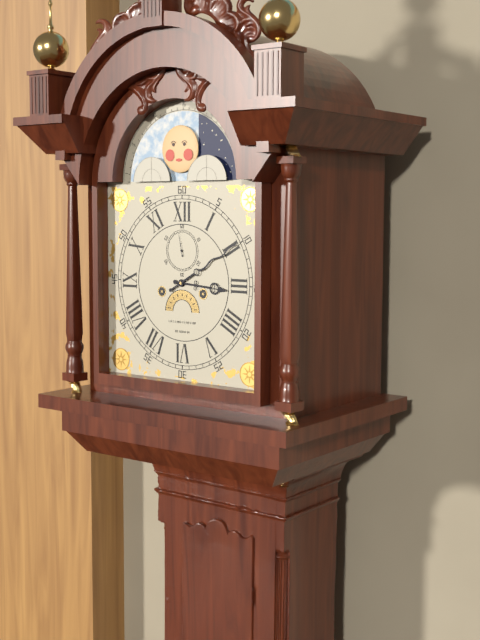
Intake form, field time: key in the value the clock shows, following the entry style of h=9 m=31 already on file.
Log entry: h=3 m=10
